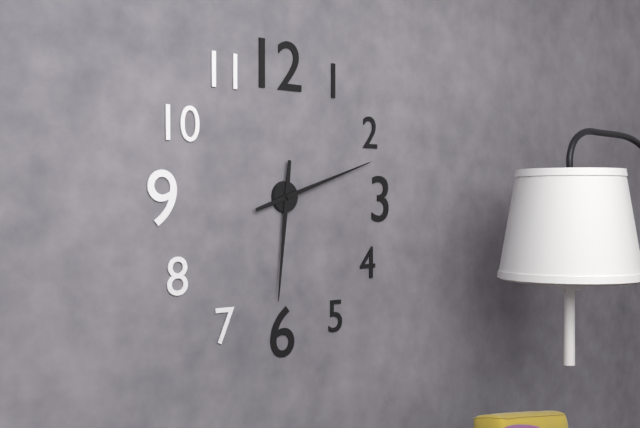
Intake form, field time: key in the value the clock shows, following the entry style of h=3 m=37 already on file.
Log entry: h=6 m=12
